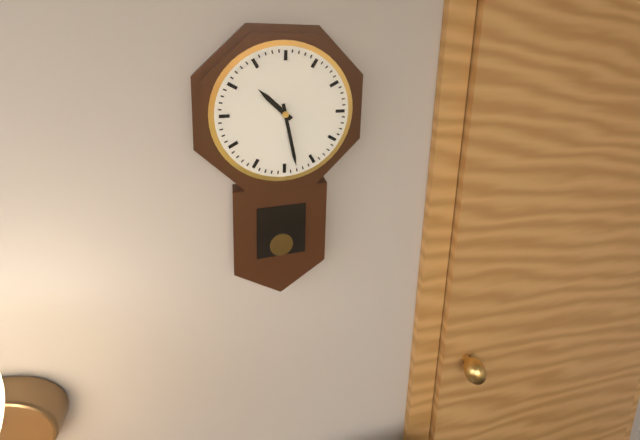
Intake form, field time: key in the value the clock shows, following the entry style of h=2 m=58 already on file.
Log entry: h=10 m=28
